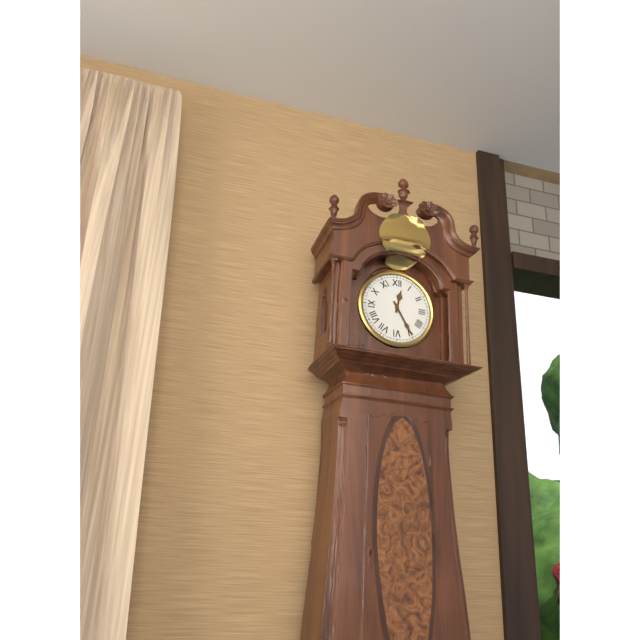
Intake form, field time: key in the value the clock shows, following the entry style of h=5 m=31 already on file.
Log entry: h=12 m=25
